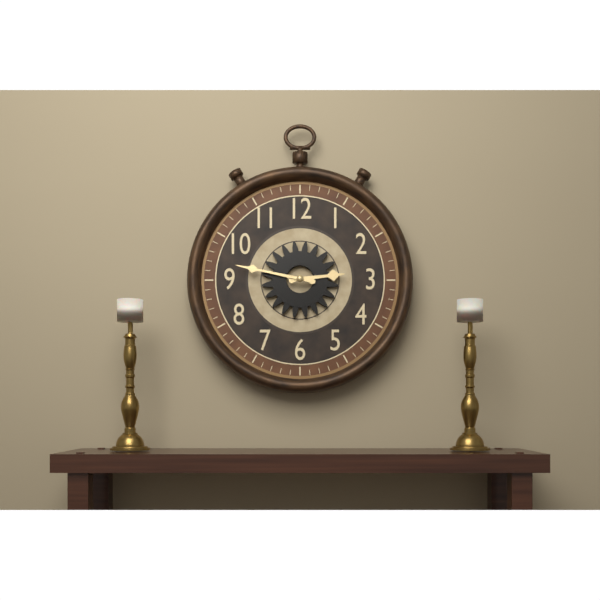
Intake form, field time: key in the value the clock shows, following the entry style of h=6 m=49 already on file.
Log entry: h=2 m=47
